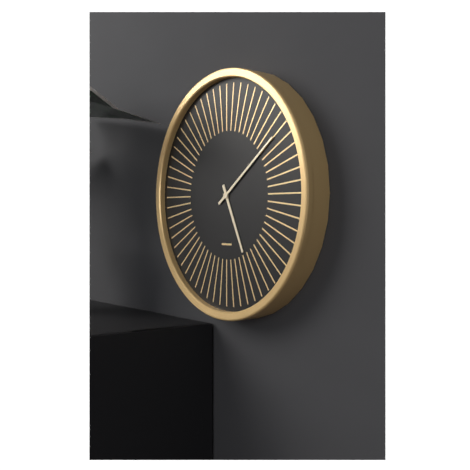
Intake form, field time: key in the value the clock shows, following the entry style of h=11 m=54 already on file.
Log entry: h=5 m=9
